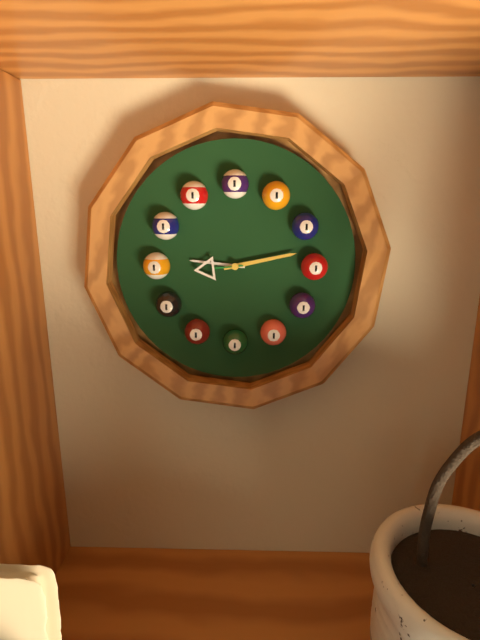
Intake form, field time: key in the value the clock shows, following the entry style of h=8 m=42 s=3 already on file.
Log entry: h=9 m=13 s=44
